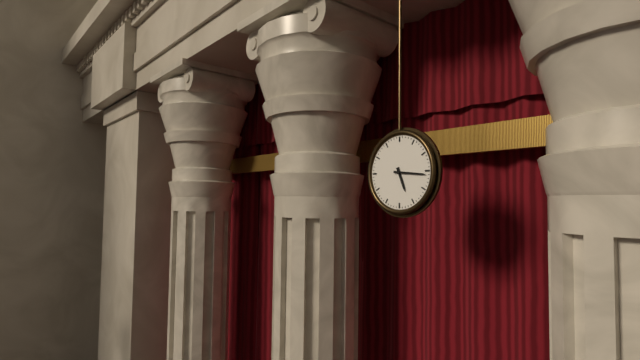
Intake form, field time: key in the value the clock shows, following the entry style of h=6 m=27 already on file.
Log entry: h=5 m=16
